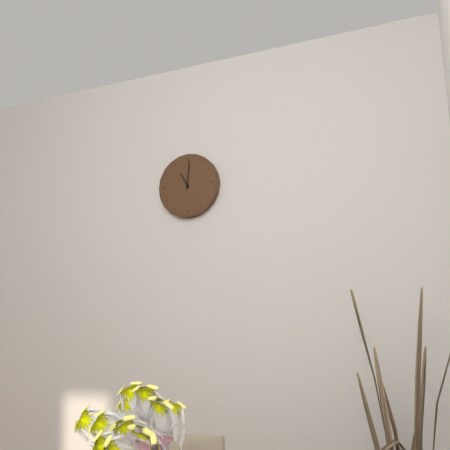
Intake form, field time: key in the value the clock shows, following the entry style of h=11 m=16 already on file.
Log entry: h=11 m=1
